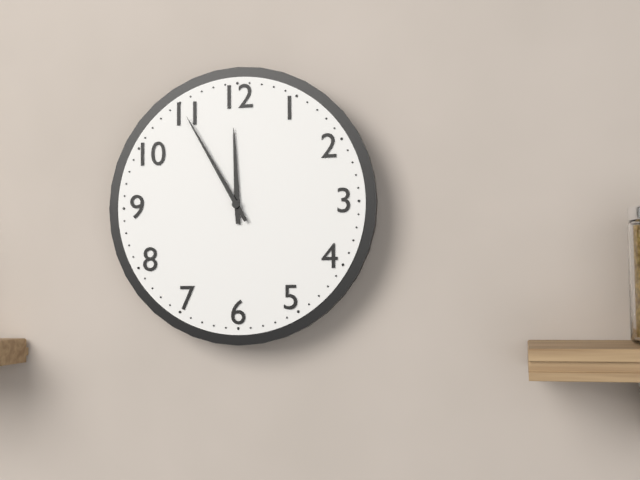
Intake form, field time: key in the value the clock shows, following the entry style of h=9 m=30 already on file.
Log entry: h=11 m=55
